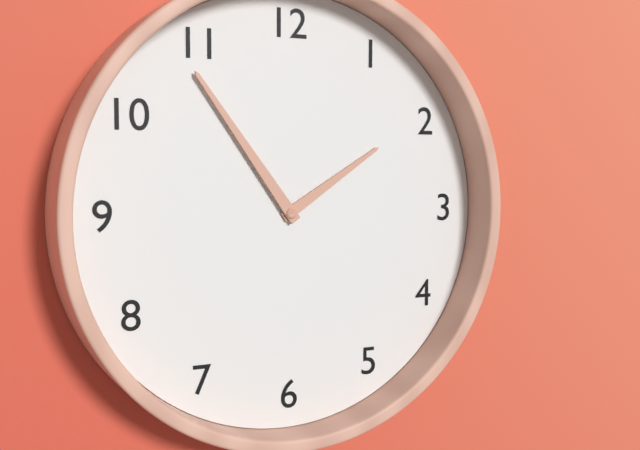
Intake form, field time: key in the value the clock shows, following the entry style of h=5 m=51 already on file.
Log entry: h=1 m=54
